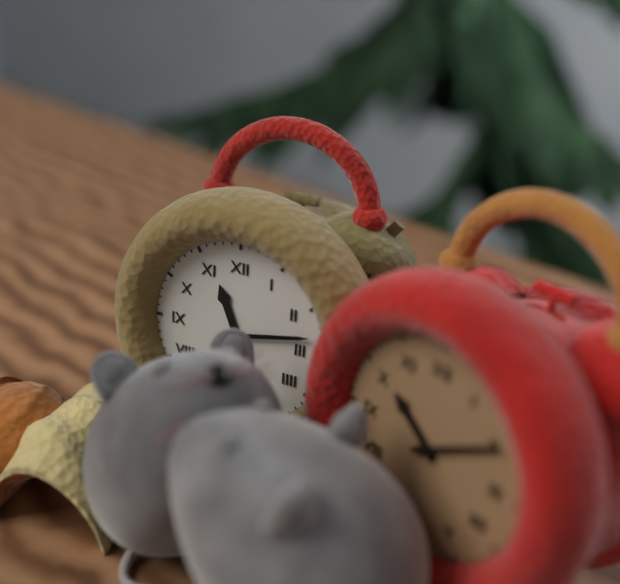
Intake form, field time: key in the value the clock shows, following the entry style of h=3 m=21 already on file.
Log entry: h=11 m=13
